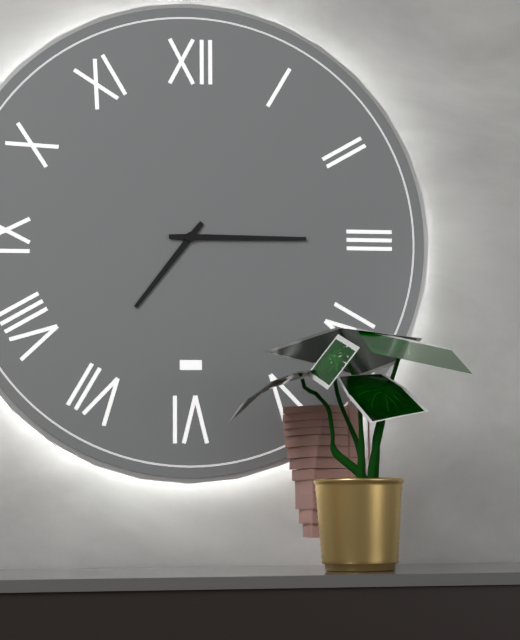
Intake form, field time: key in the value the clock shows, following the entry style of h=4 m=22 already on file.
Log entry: h=7 m=15
